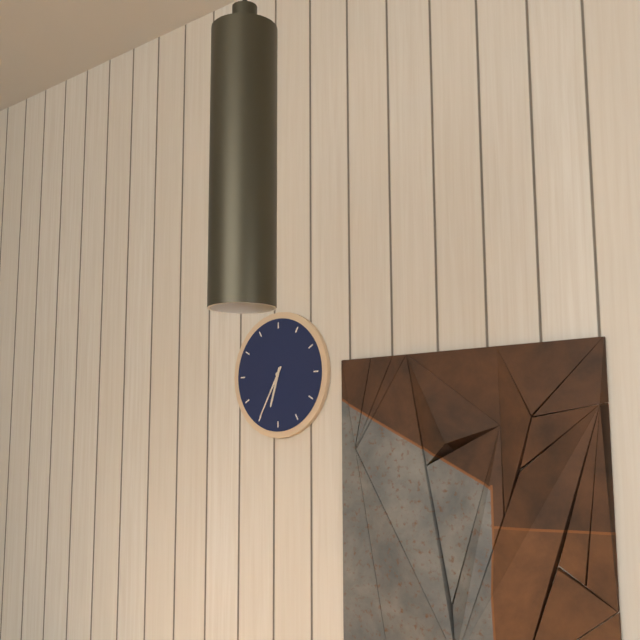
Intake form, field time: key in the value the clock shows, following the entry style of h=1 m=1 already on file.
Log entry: h=6 m=35
